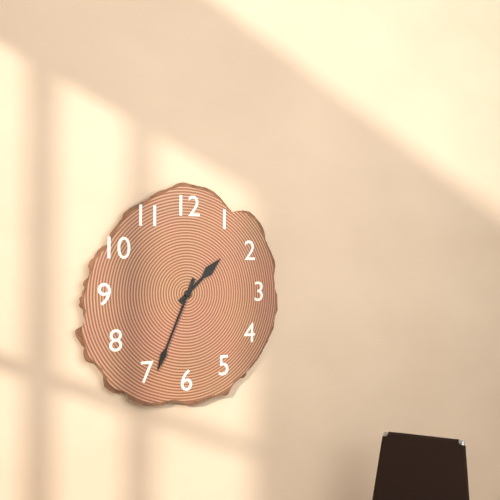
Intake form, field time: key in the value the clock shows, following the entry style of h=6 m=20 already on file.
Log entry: h=1 m=34
